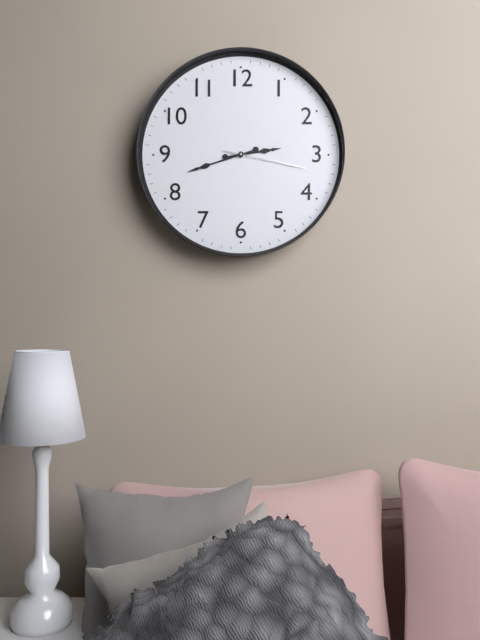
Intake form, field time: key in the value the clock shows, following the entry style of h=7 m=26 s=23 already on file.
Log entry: h=2 m=42 s=17
